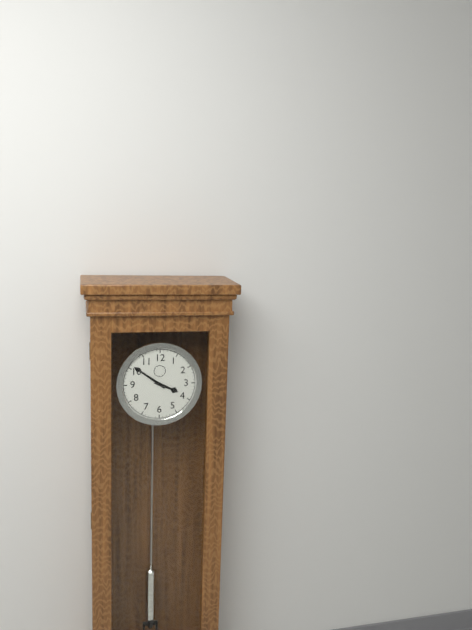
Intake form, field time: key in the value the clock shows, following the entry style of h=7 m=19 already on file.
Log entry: h=3 m=51
